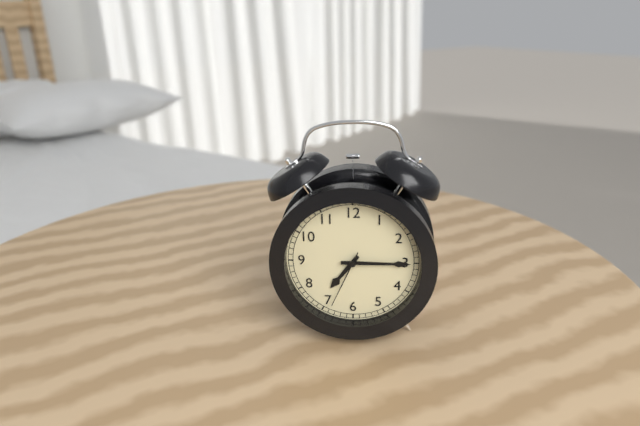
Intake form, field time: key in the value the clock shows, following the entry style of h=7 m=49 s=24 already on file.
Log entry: h=7 m=15 s=34
